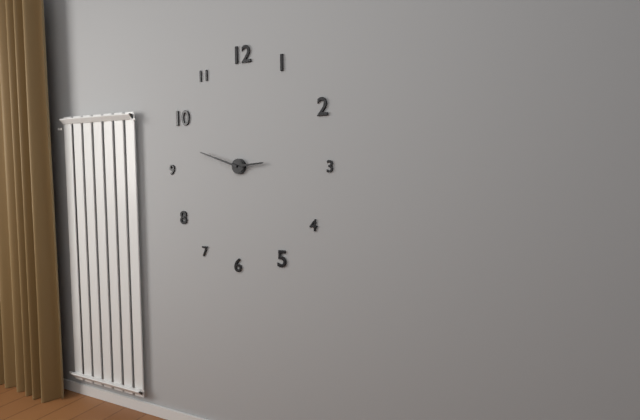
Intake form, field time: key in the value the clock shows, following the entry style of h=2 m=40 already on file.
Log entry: h=2 m=48
